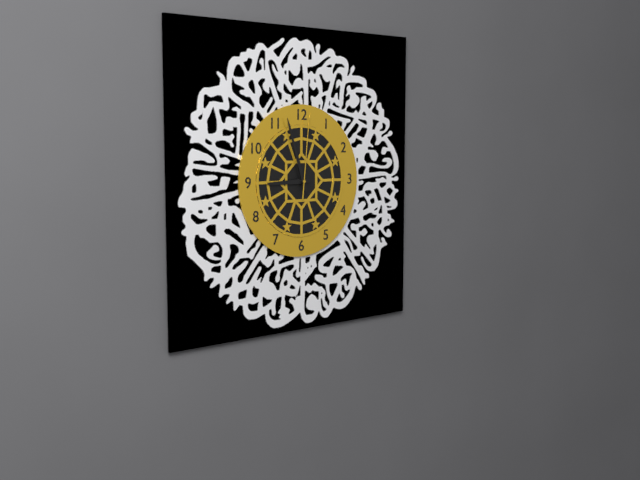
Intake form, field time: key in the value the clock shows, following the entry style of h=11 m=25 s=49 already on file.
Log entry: h=8 m=57 s=1
